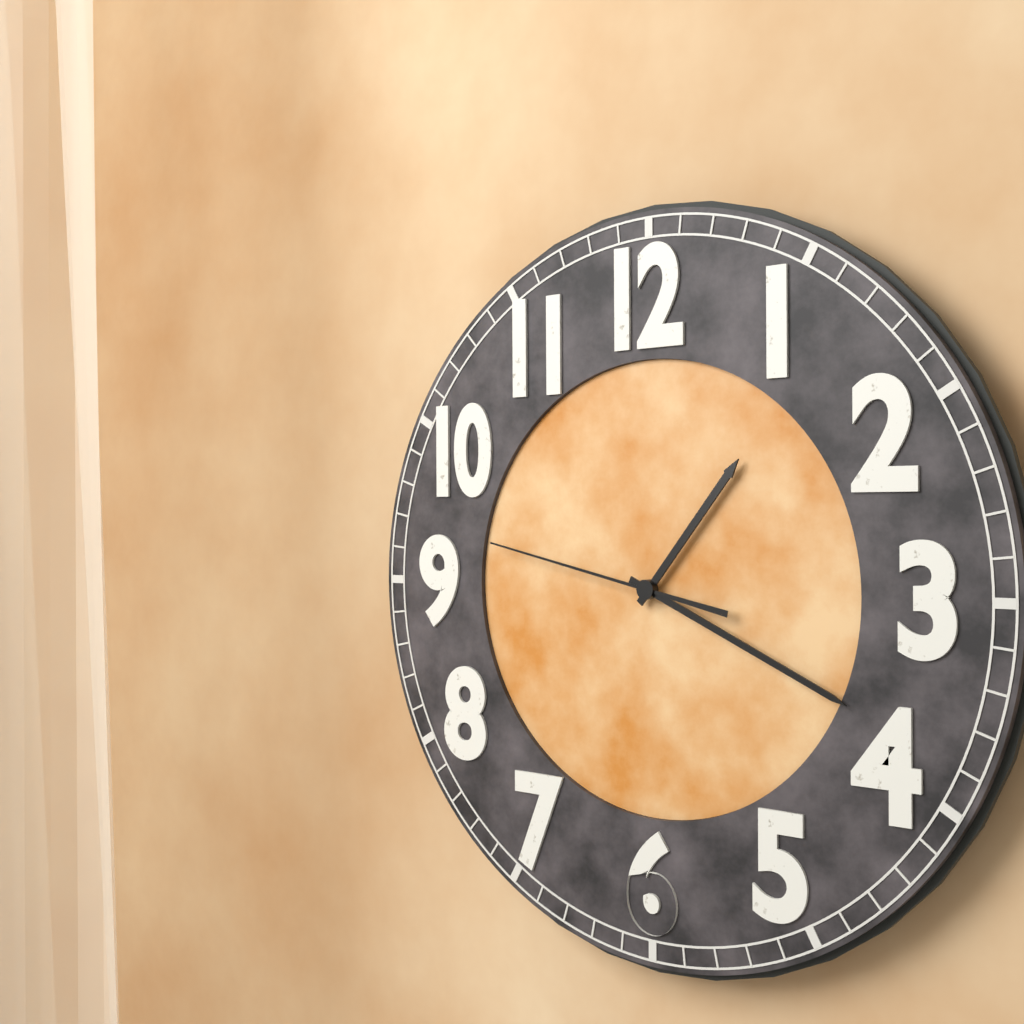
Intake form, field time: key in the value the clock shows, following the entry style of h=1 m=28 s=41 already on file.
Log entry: h=1 m=19 s=47
